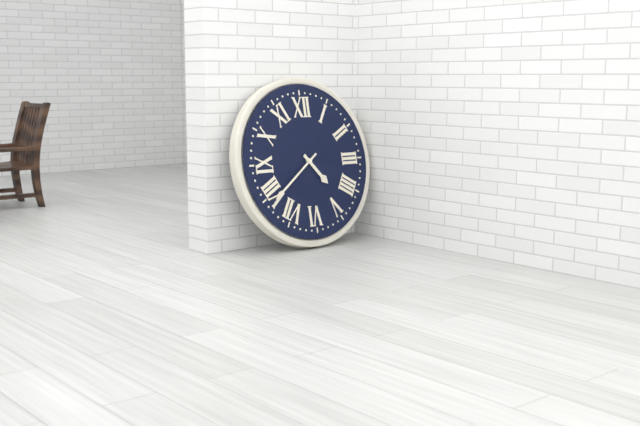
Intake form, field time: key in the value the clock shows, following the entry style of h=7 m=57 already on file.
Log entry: h=4 m=39
